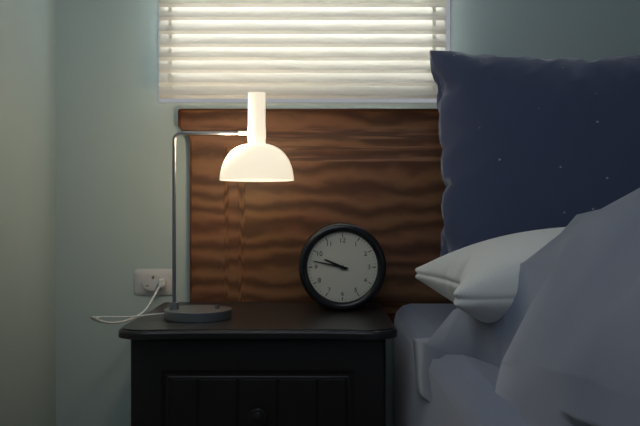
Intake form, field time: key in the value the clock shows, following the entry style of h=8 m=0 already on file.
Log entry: h=9 m=47
